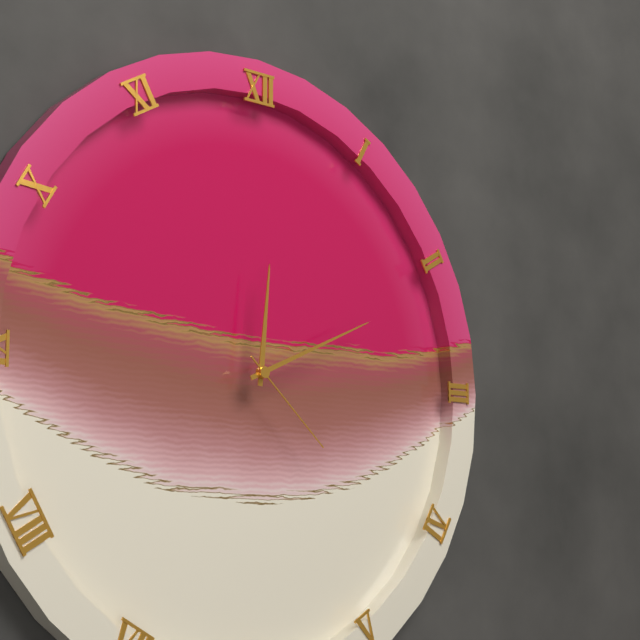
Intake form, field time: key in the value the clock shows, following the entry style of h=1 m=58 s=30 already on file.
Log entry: h=12 m=11 s=22
